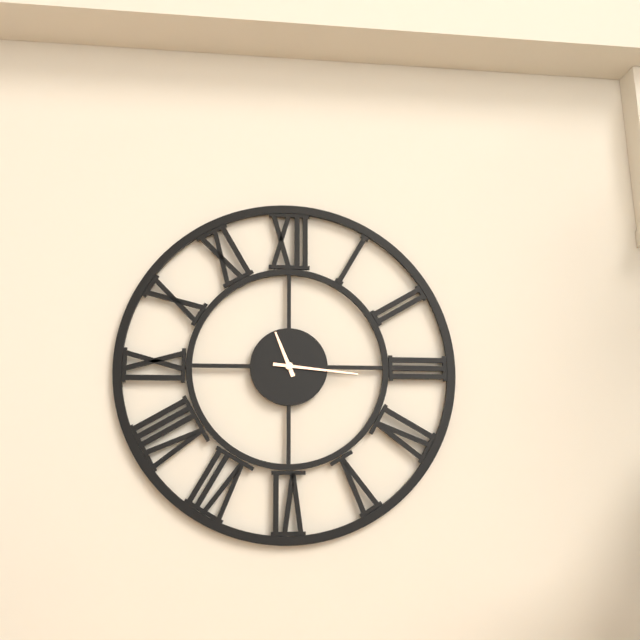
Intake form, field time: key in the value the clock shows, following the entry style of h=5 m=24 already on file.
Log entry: h=11 m=16
